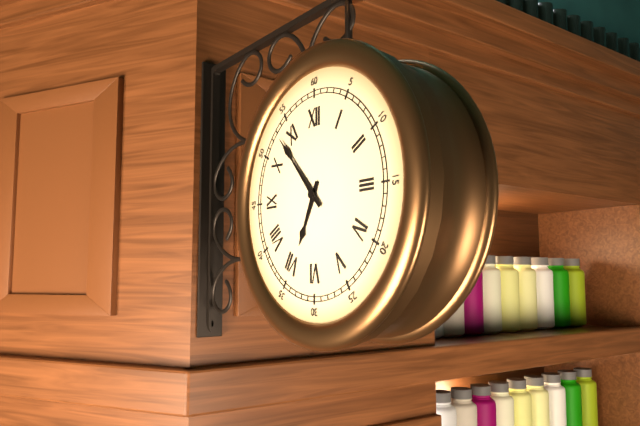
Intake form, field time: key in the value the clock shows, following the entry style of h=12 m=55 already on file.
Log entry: h=6 m=53
